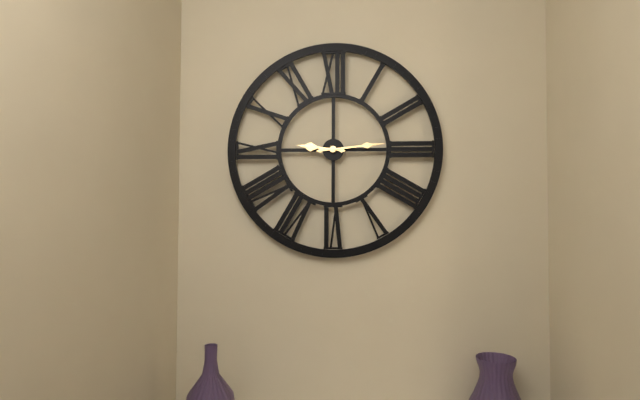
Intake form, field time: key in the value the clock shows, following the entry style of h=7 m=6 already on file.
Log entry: h=9 m=14
